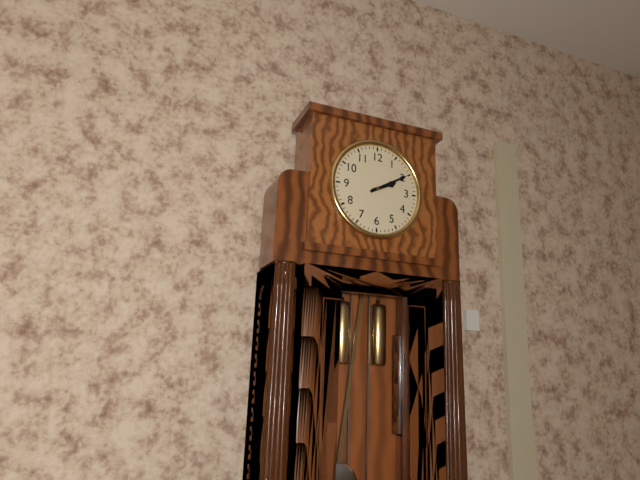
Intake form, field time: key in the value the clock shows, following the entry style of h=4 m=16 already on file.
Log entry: h=2 m=10
